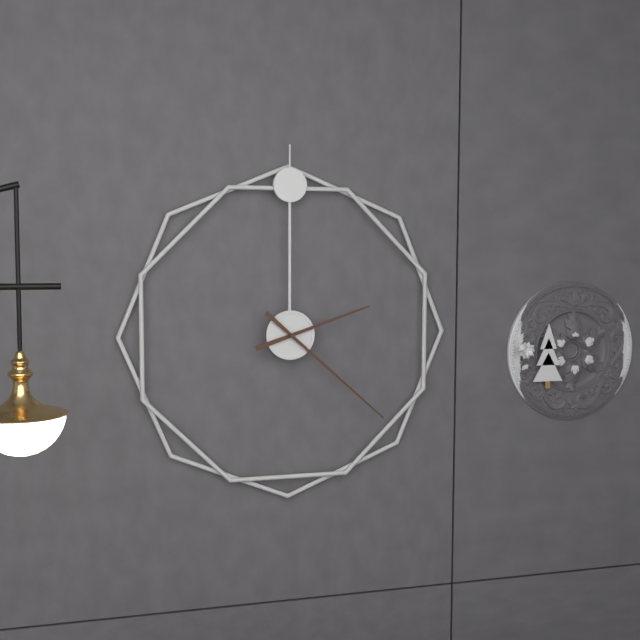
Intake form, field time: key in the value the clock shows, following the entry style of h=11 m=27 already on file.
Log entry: h=2 m=22
